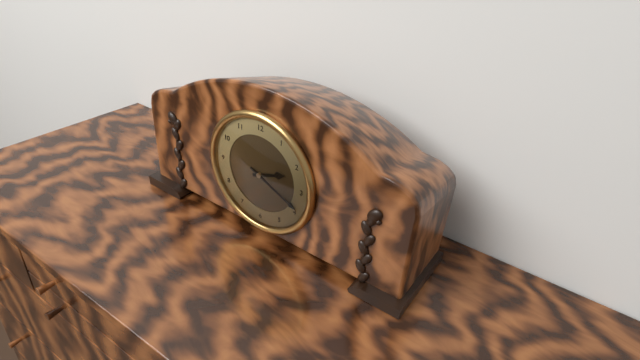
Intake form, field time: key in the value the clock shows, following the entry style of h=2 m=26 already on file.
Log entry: h=2 m=19
